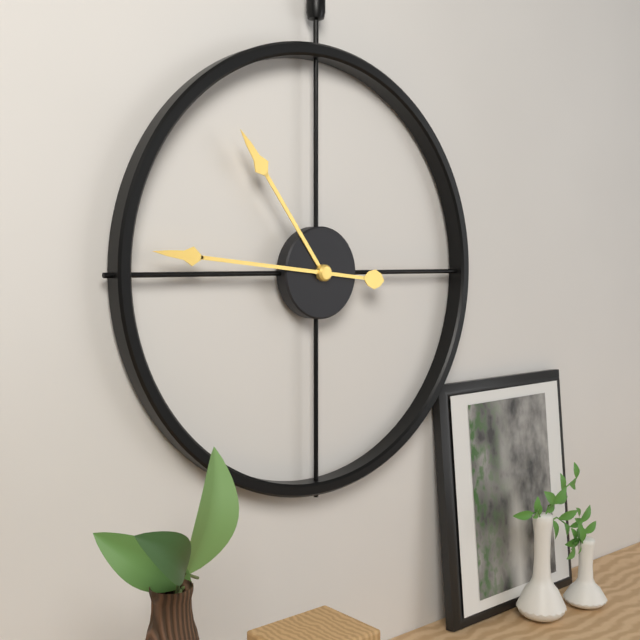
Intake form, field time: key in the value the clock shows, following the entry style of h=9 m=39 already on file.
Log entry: h=10 m=46
